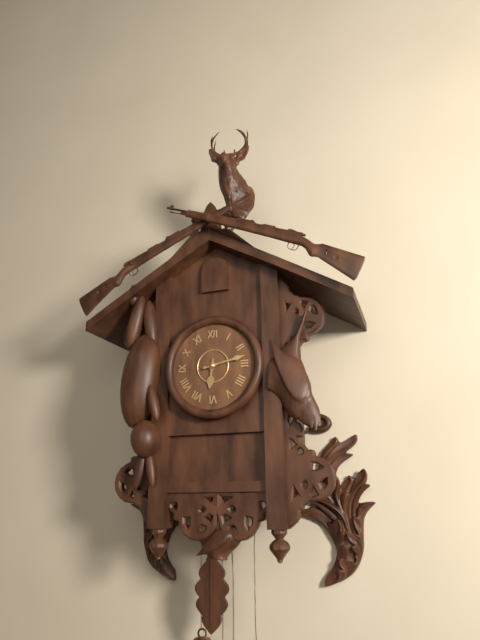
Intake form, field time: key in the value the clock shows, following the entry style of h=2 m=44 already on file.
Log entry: h=6 m=13
